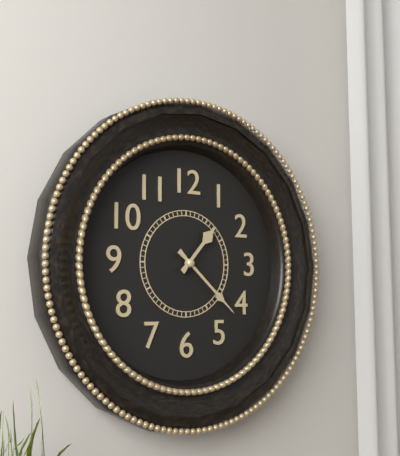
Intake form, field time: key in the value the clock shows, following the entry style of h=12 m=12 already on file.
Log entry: h=1 m=22
